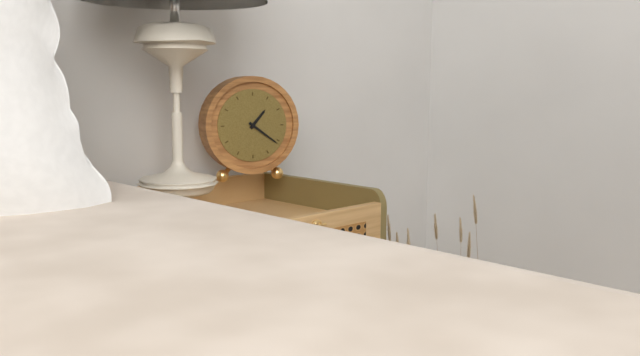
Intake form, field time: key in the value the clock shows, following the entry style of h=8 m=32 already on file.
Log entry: h=1 m=21
